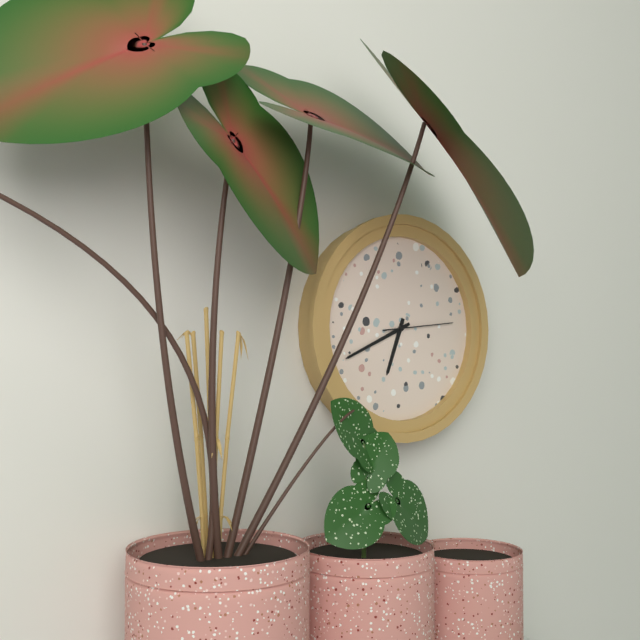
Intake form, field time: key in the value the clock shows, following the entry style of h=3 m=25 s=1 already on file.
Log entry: h=6 m=41 s=14
